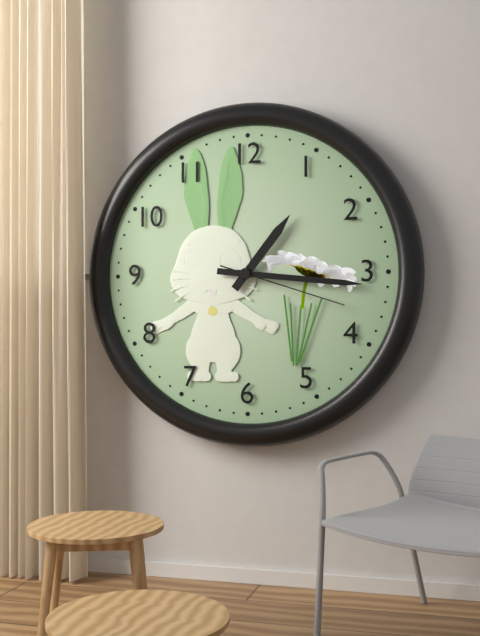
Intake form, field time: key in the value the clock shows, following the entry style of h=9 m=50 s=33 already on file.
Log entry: h=1 m=16 s=18
